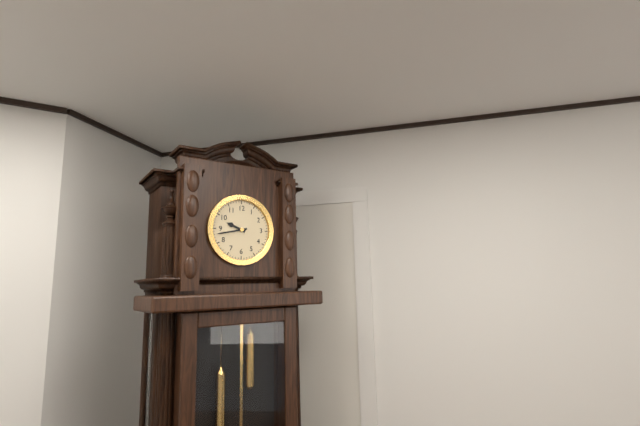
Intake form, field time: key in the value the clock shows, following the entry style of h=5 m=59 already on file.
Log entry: h=9 m=43
